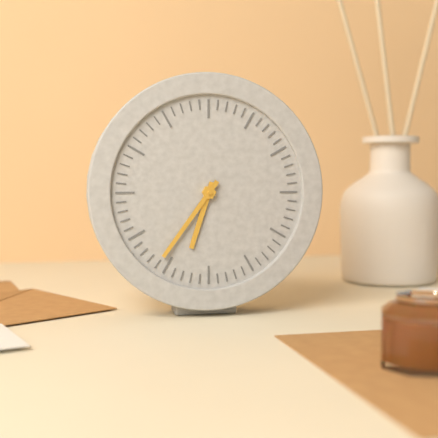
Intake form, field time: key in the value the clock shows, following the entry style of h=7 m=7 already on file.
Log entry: h=6 m=36
